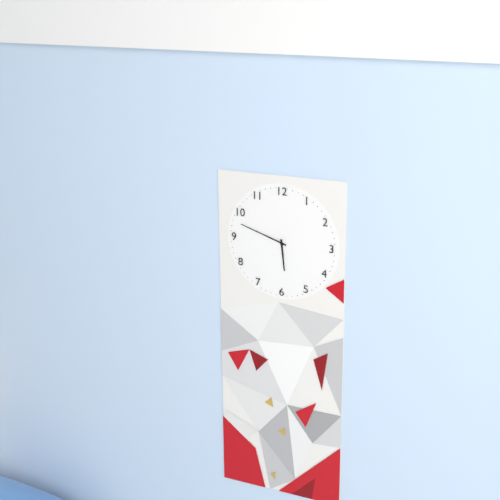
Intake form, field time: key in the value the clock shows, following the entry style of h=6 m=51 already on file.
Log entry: h=5 m=48
